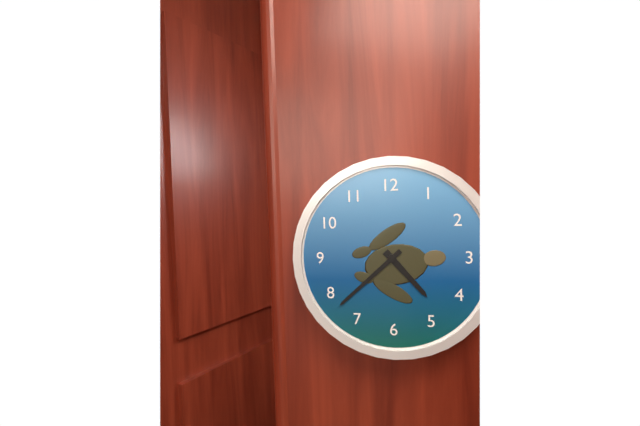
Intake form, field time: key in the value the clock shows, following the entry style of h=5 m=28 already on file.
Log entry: h=4 m=38
